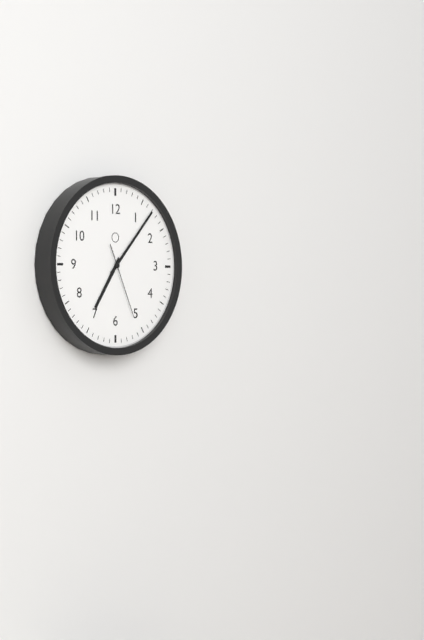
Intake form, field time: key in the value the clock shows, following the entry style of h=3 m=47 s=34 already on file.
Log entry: h=7 m=7 s=26
